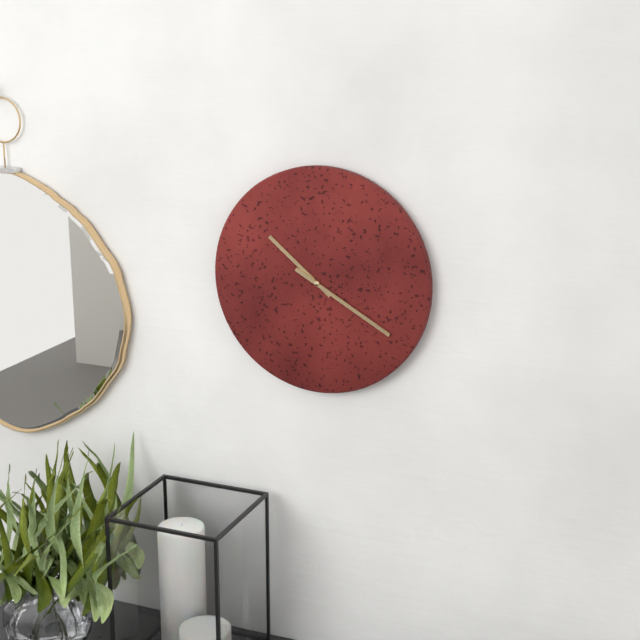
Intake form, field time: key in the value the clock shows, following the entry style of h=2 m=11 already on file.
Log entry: h=10 m=20
